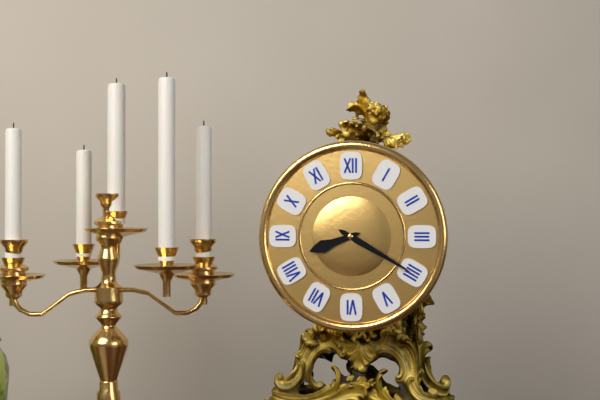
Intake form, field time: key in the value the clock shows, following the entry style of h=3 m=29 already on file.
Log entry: h=8 m=20
